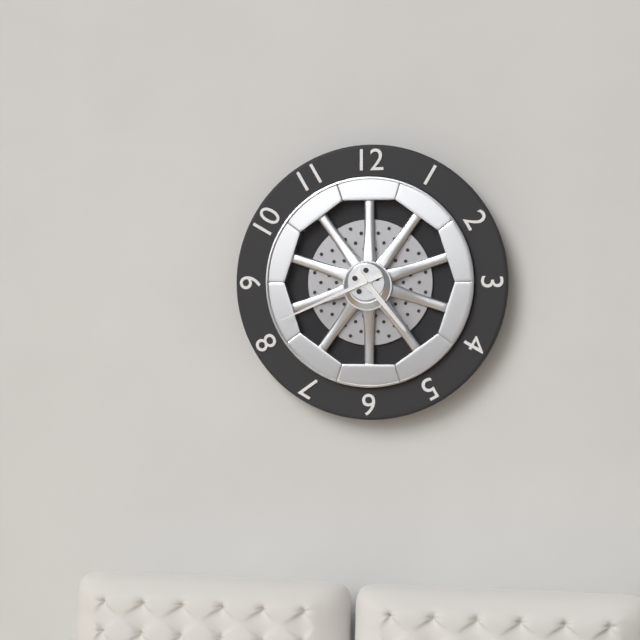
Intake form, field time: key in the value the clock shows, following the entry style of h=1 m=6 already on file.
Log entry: h=4 m=41
